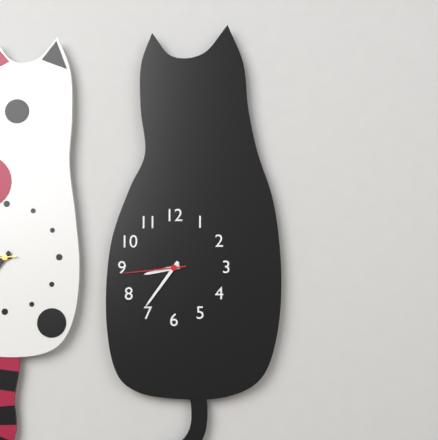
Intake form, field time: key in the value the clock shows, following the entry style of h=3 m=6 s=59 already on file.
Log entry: h=8 m=36 s=44
